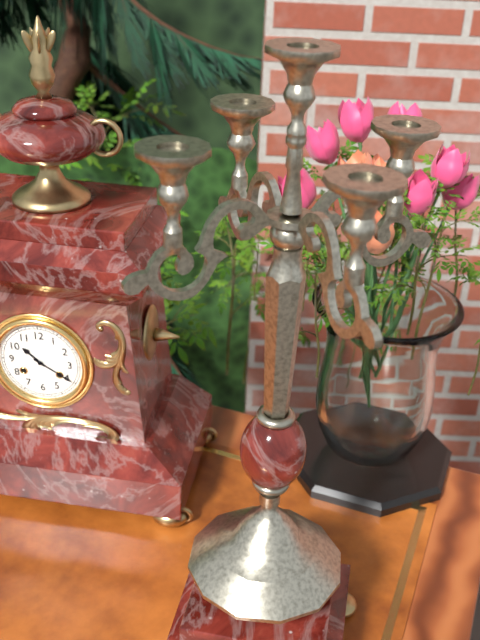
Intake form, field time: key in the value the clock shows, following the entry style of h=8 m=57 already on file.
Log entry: h=10 m=20
